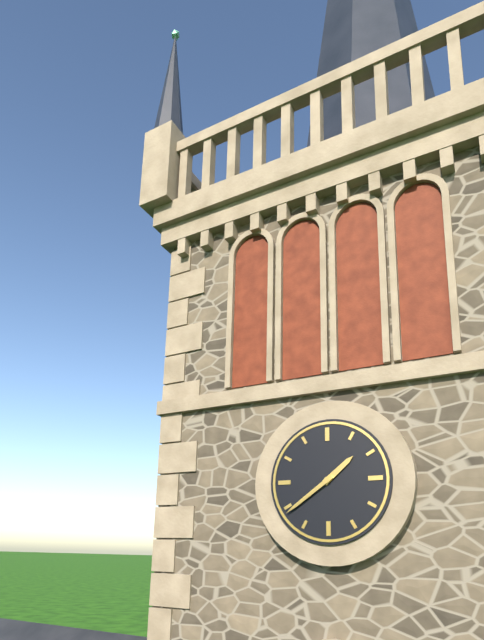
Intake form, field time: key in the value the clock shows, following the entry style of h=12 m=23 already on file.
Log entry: h=1 m=39
